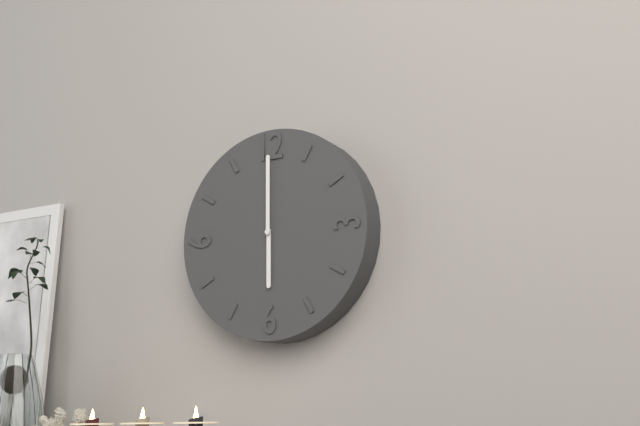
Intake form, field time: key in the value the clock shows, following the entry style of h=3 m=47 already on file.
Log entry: h=6 m=0
